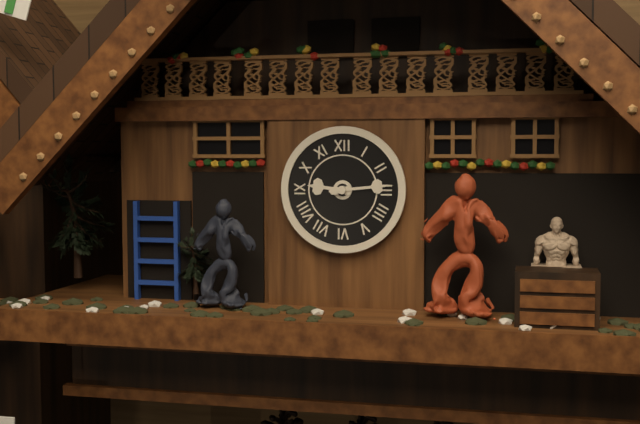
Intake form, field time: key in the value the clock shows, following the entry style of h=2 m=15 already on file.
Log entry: h=9 m=14
